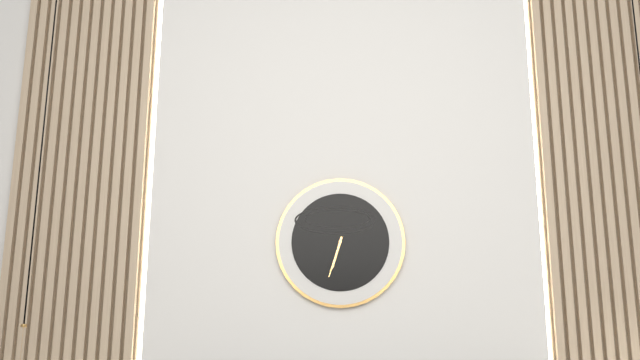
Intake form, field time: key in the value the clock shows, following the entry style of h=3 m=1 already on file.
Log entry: h=6 m=33
